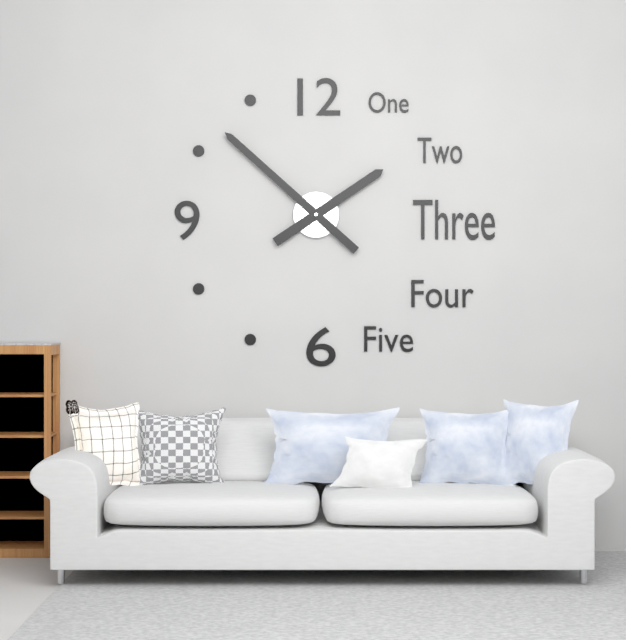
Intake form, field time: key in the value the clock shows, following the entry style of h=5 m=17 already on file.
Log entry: h=1 m=52
